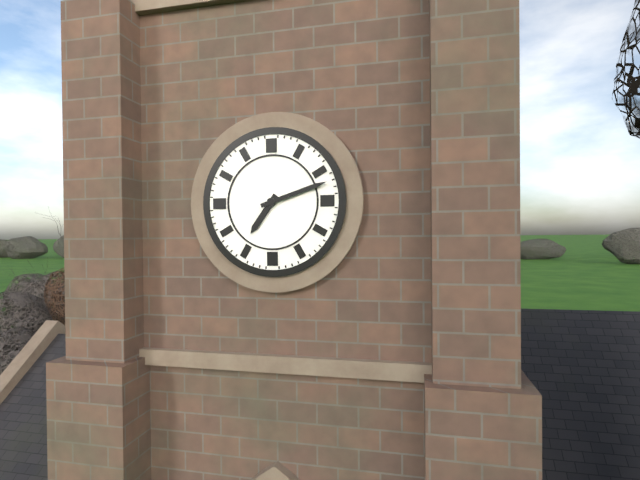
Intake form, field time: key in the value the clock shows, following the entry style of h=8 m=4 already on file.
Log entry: h=7 m=12
